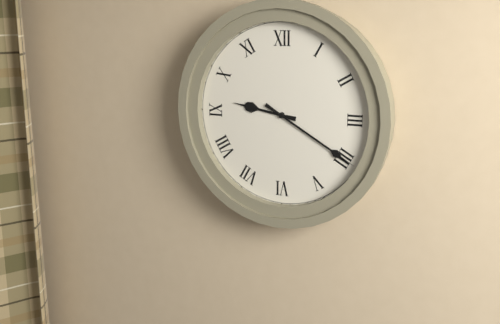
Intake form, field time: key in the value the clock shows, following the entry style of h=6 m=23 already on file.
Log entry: h=9 m=20
